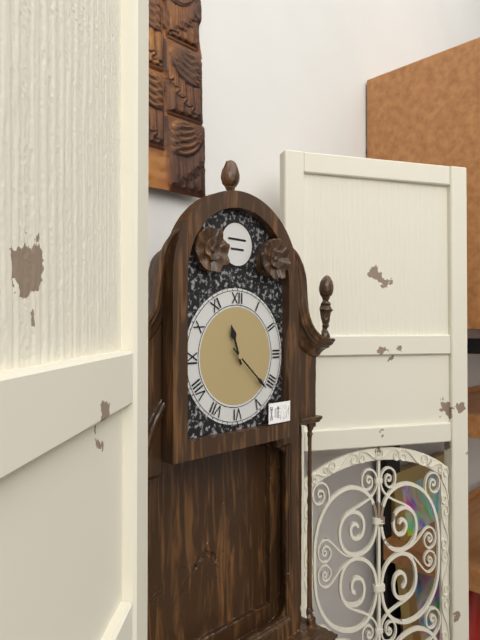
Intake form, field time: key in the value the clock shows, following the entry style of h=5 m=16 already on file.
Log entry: h=11 m=22
